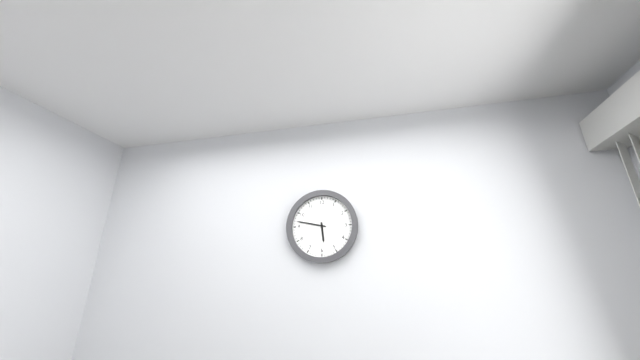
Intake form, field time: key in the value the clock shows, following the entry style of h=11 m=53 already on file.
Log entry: h=5 m=47
